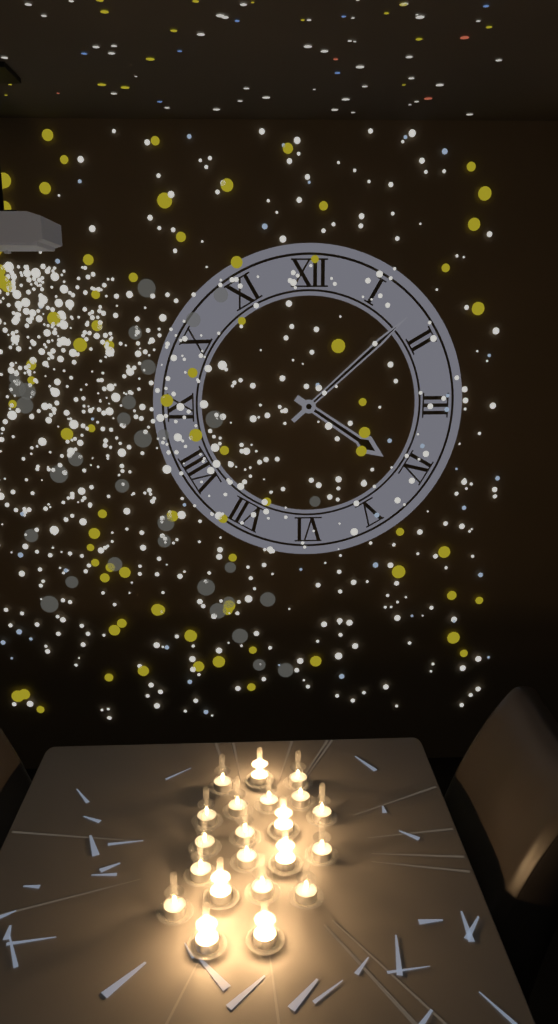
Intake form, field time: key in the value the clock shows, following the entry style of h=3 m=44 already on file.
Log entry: h=4 m=8
